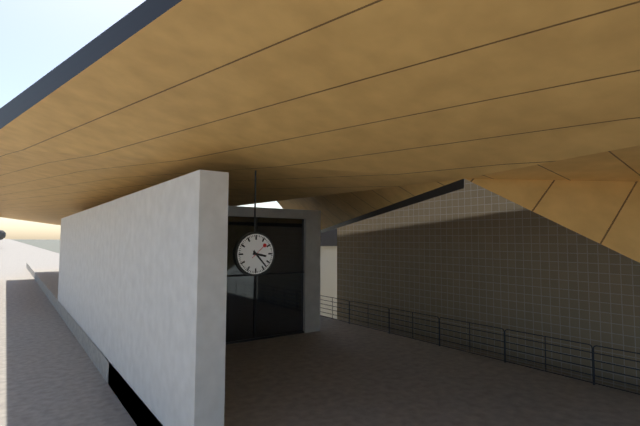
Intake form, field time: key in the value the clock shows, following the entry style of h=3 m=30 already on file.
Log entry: h=3 m=23
